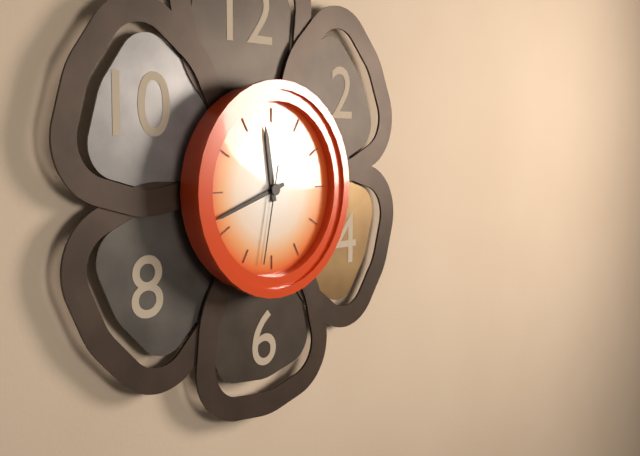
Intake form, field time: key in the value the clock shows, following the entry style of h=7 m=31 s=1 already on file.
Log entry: h=11 m=42 s=32
